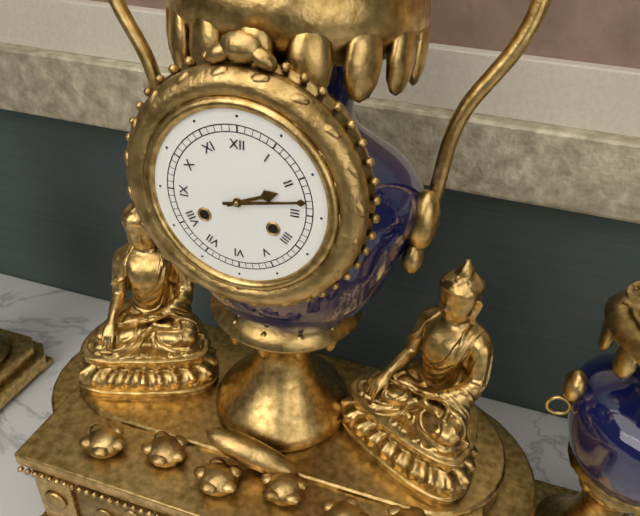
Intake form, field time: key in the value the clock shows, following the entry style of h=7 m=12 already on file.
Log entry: h=2 m=13
